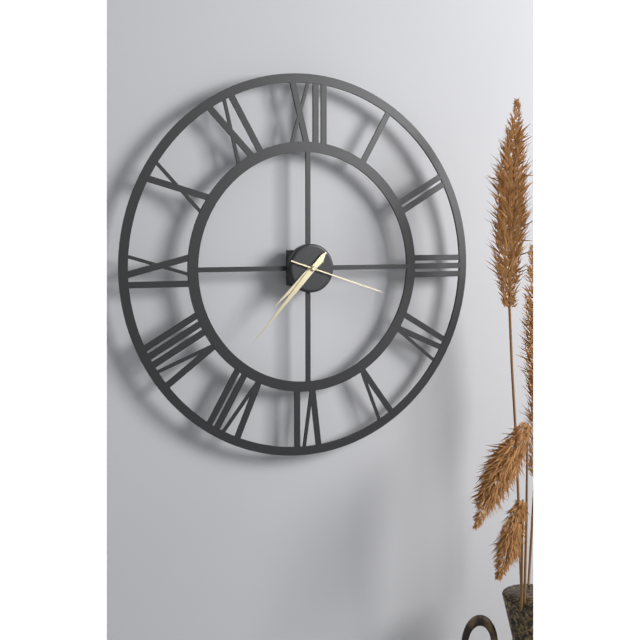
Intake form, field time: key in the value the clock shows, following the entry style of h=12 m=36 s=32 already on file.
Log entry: h=7 m=37 s=18
